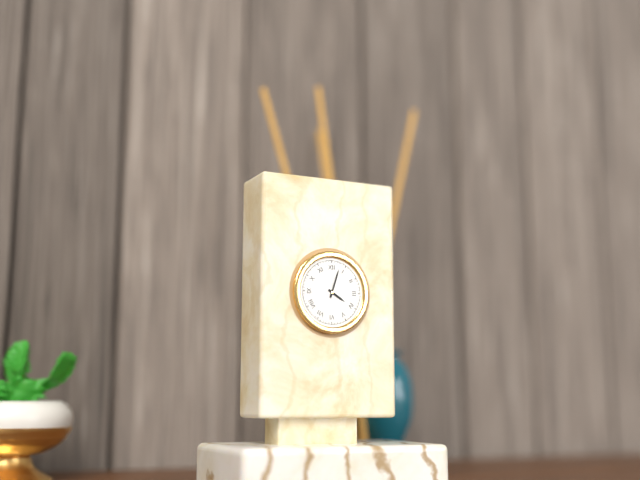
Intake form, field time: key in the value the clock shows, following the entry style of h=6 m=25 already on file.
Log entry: h=4 m=3
